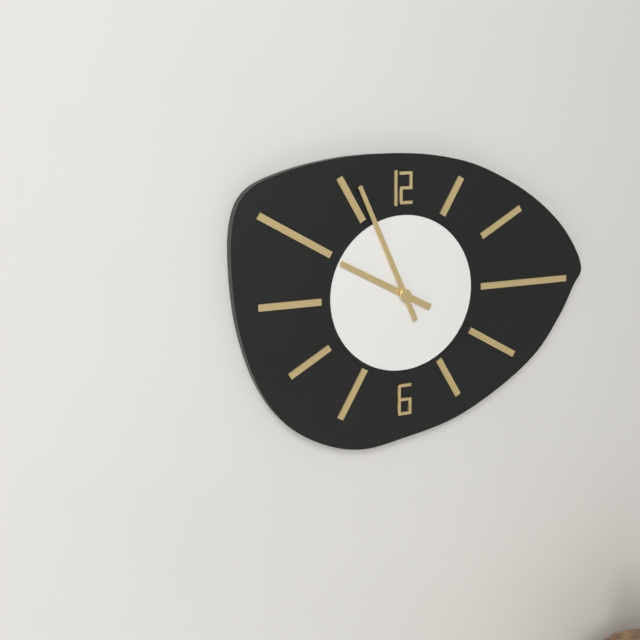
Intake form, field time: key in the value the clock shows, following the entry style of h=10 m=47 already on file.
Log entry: h=9 m=56
